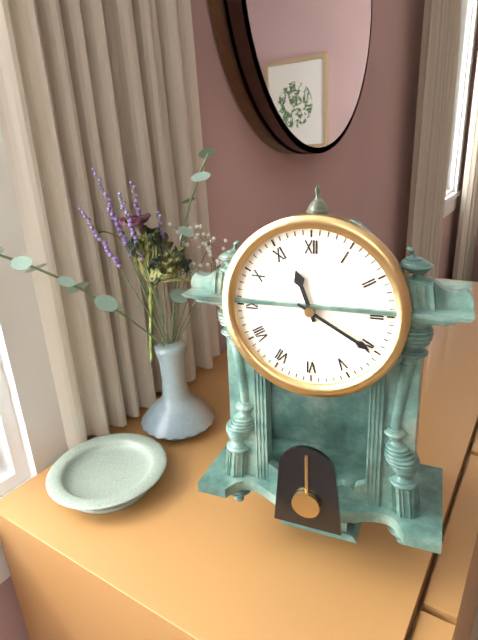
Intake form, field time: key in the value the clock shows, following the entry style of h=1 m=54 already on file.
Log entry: h=11 m=20
